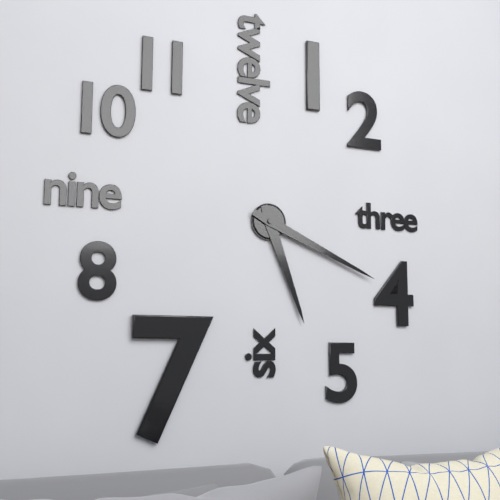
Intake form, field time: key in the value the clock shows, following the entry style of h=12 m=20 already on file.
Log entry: h=5 m=19
